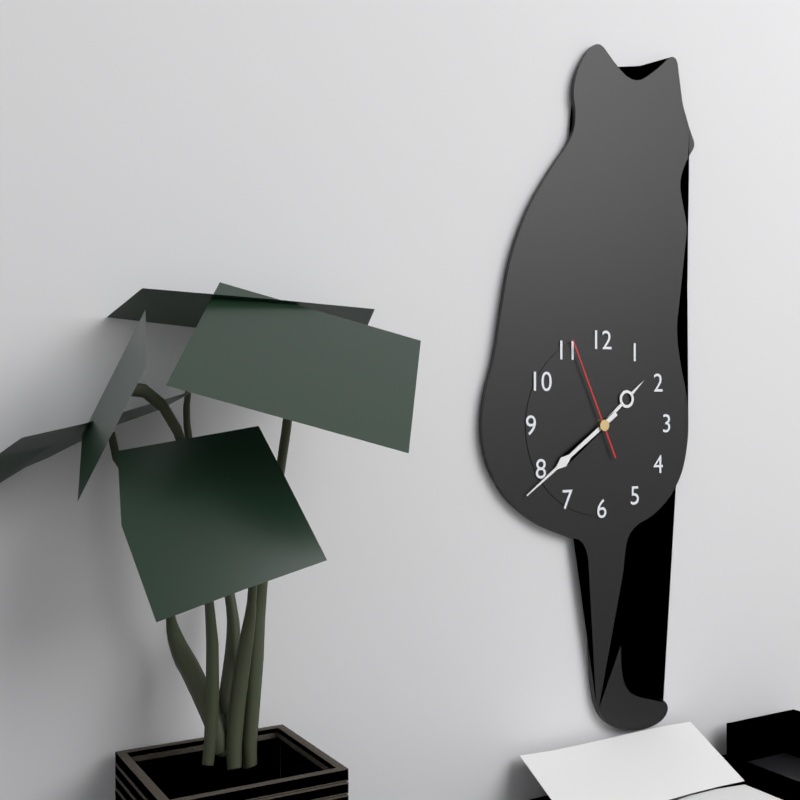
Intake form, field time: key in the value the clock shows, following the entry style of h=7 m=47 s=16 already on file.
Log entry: h=1 m=39 s=56
